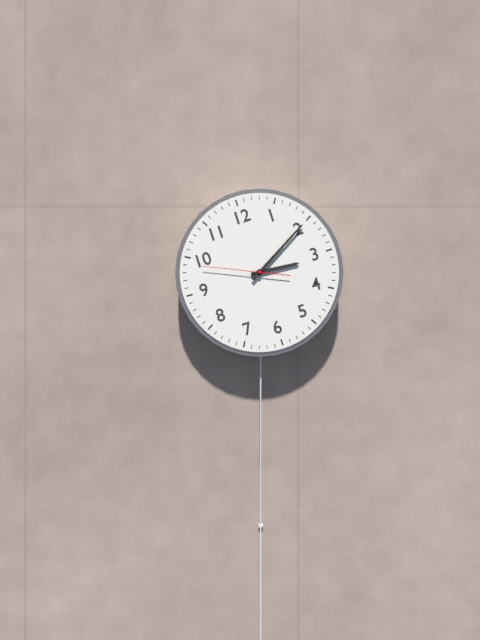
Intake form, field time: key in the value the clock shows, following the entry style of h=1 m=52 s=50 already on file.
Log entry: h=3 m=10 s=49
